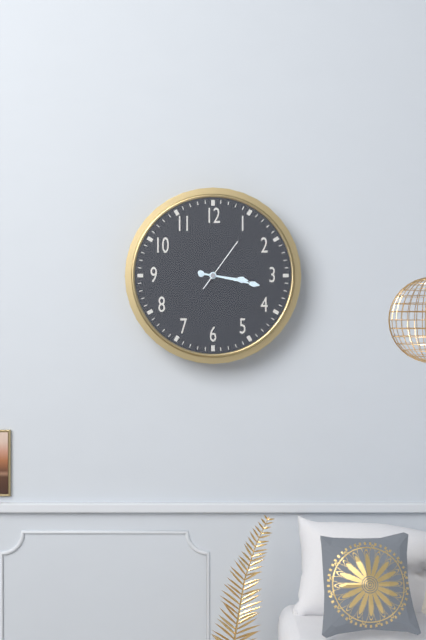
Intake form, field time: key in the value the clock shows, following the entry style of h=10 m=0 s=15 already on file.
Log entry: h=3 m=17 s=6
